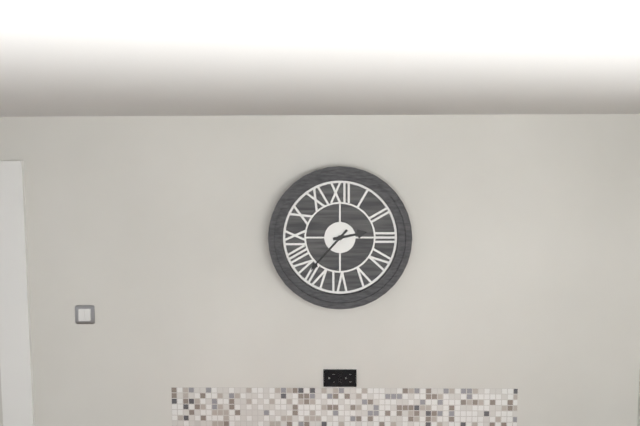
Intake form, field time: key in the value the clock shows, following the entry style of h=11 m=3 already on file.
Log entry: h=2 m=37
